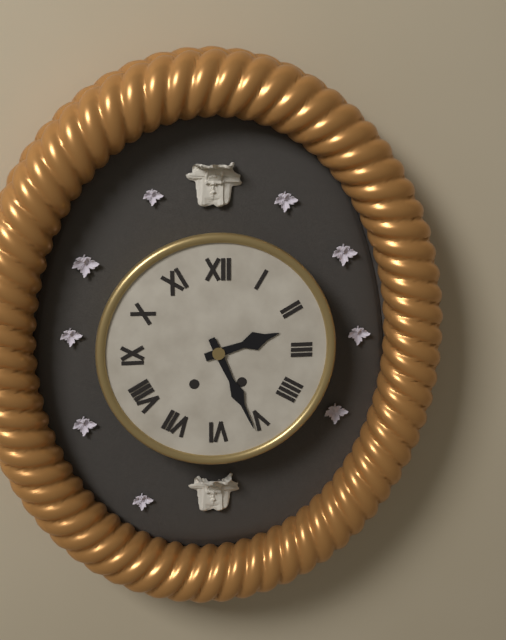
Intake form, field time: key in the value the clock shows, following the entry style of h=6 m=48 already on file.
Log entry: h=2 m=26
